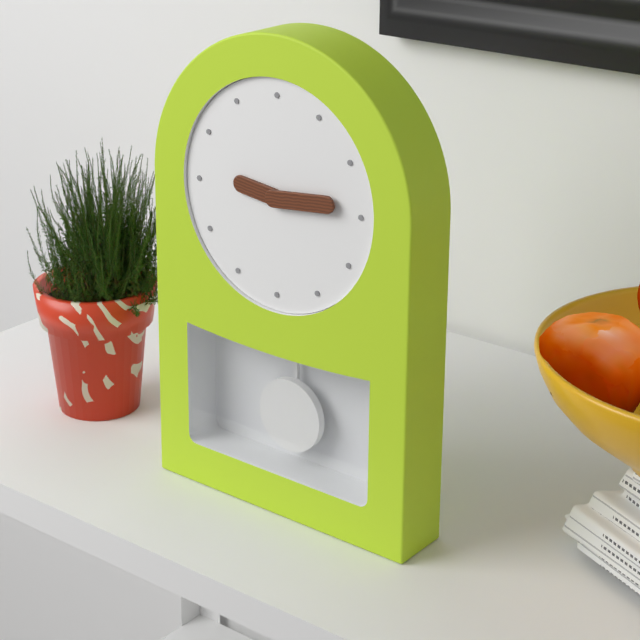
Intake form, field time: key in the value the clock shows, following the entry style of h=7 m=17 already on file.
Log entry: h=9 m=14
